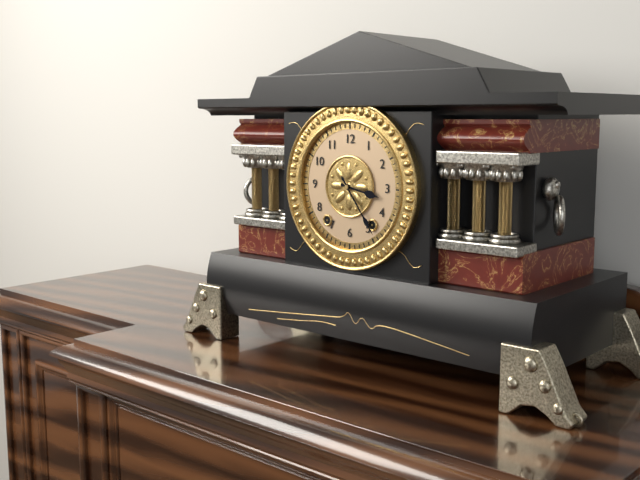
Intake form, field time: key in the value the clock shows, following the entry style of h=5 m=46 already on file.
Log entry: h=3 m=24
